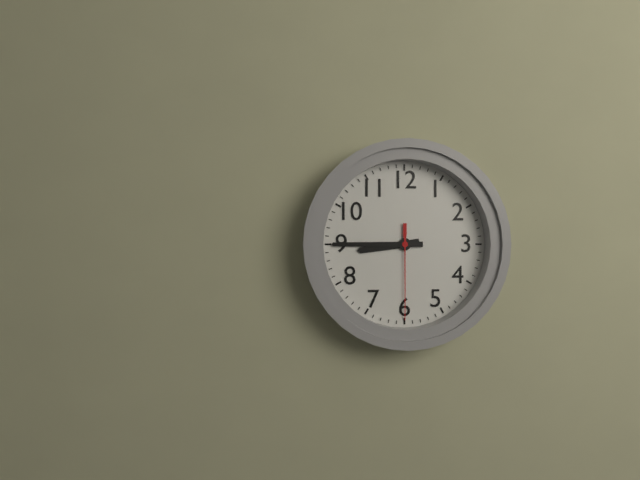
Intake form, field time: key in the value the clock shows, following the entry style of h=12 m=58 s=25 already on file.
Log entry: h=8 m=45 s=30
